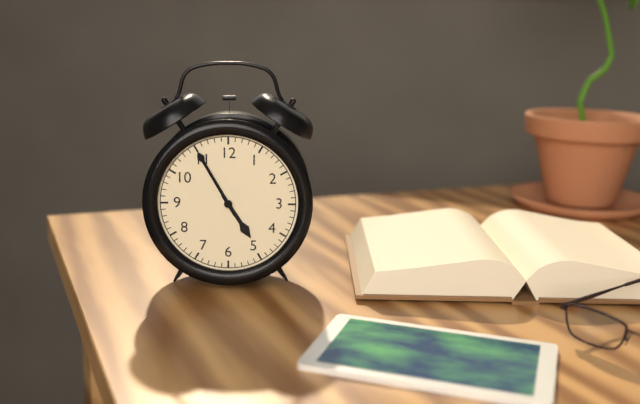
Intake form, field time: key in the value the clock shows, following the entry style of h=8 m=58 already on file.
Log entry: h=4 m=55
